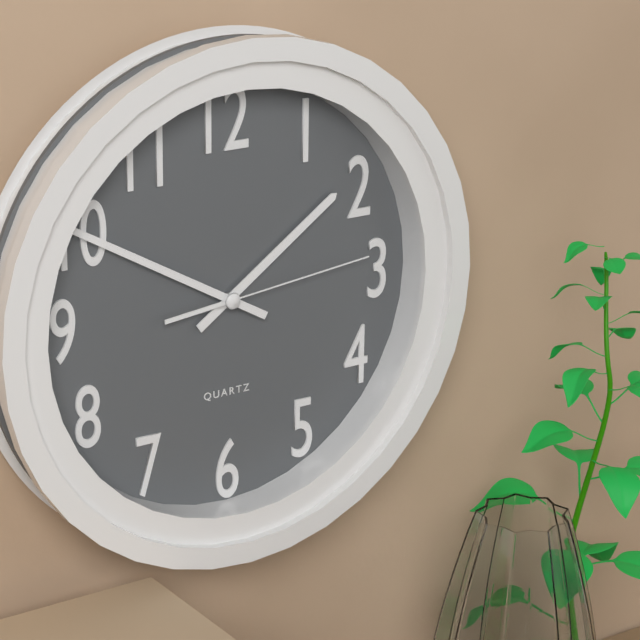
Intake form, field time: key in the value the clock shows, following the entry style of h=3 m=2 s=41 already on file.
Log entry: h=1 m=50 s=14
